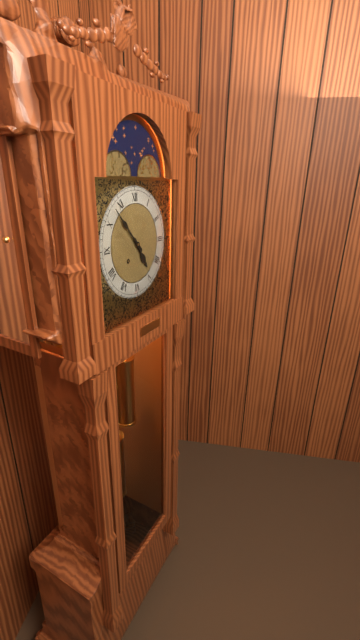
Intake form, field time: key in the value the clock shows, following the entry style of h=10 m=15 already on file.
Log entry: h=4 m=53
